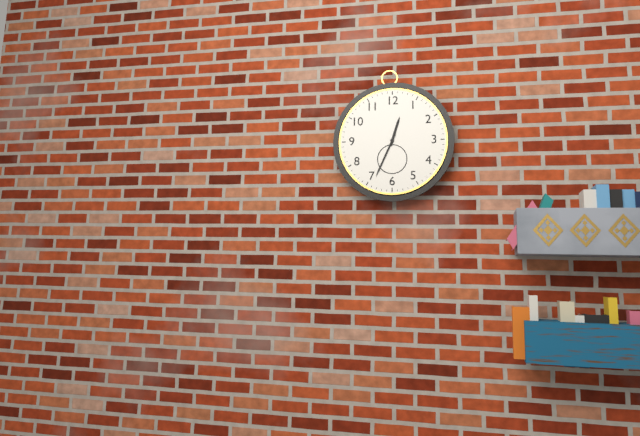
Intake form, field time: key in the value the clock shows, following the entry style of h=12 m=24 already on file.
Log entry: h=12 m=34
